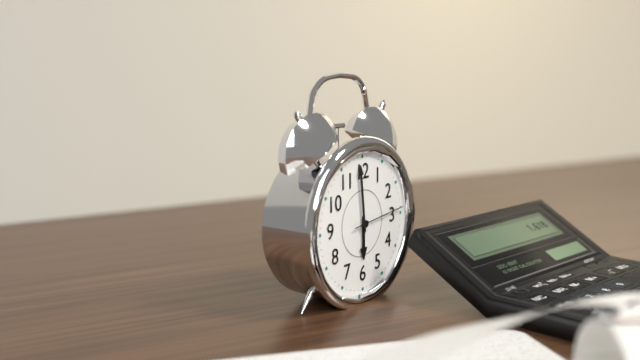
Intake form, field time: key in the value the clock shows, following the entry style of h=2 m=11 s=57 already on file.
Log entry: h=5 m=59 s=14
